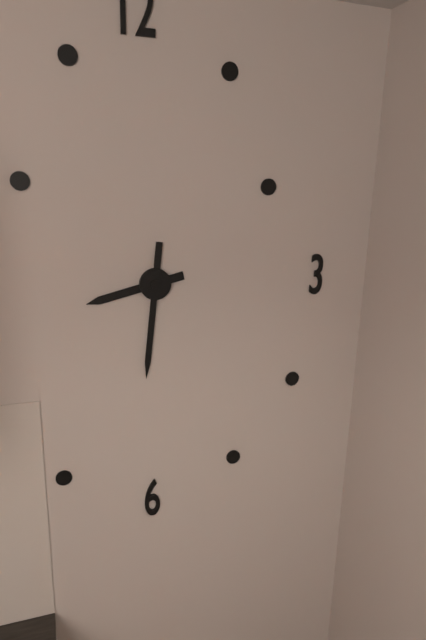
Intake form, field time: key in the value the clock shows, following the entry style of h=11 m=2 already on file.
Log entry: h=8 m=31
